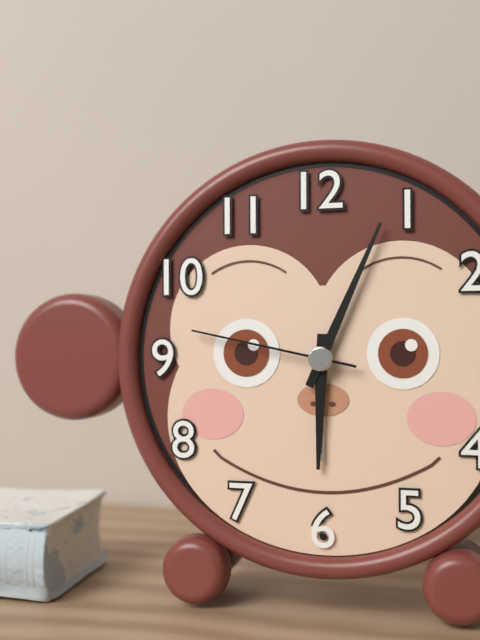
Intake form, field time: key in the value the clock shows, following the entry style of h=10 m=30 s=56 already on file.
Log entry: h=6 m=4 s=47
